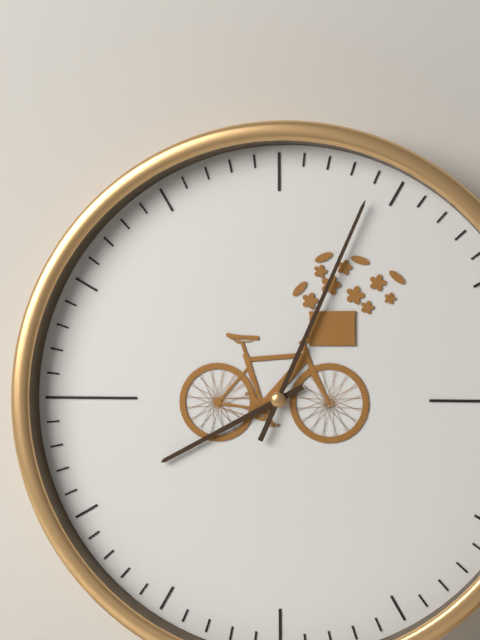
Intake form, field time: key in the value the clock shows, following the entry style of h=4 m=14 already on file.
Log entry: h=8 m=4
